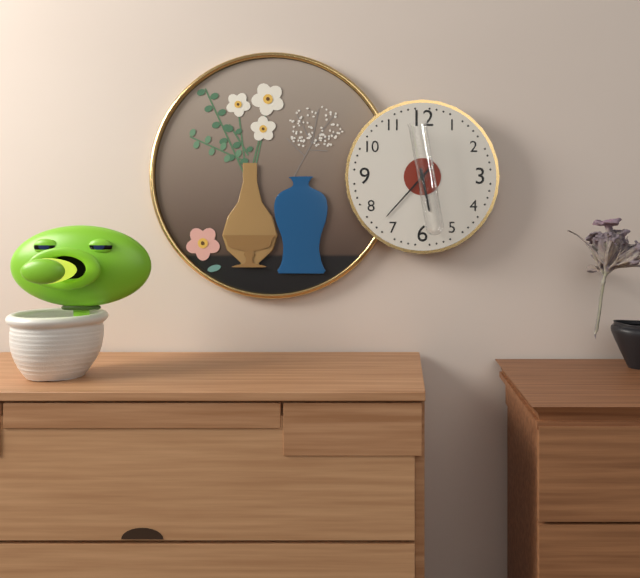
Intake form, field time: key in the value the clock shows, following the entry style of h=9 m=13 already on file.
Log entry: h=5 m=37
